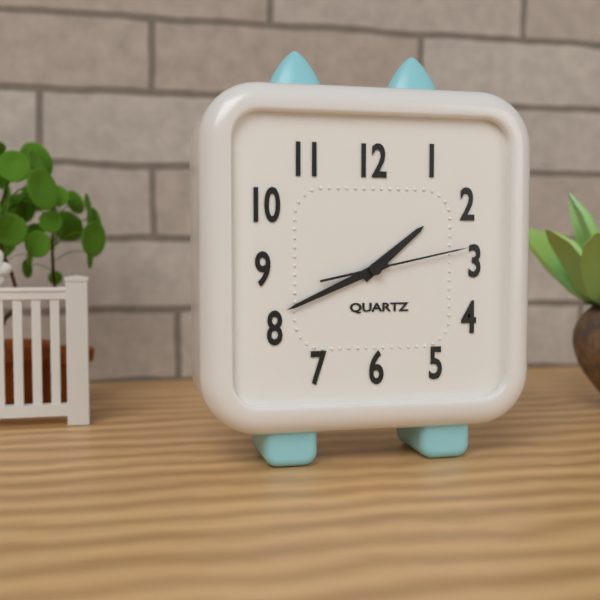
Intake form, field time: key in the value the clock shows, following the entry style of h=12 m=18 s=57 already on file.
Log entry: h=1 m=41 s=13
